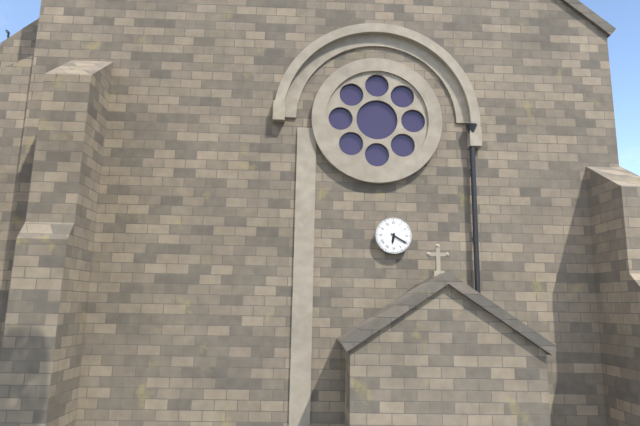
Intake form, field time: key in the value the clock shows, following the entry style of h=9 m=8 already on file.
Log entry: h=6 m=20
